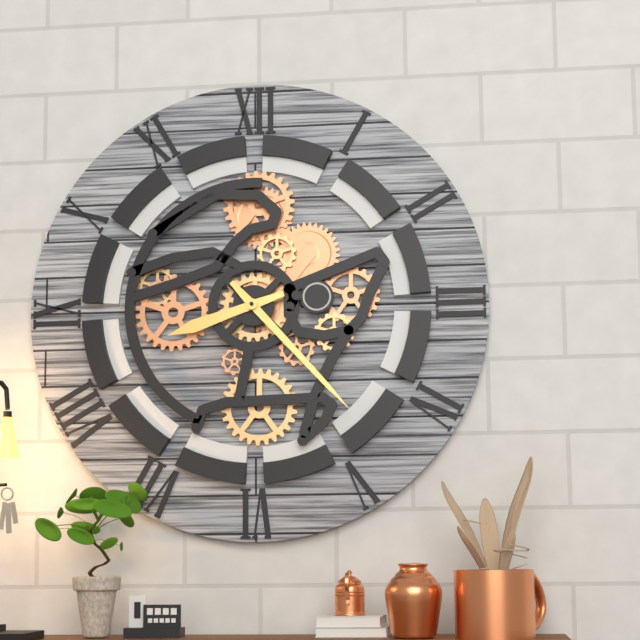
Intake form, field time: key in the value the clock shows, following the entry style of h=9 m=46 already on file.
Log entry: h=8 m=23
